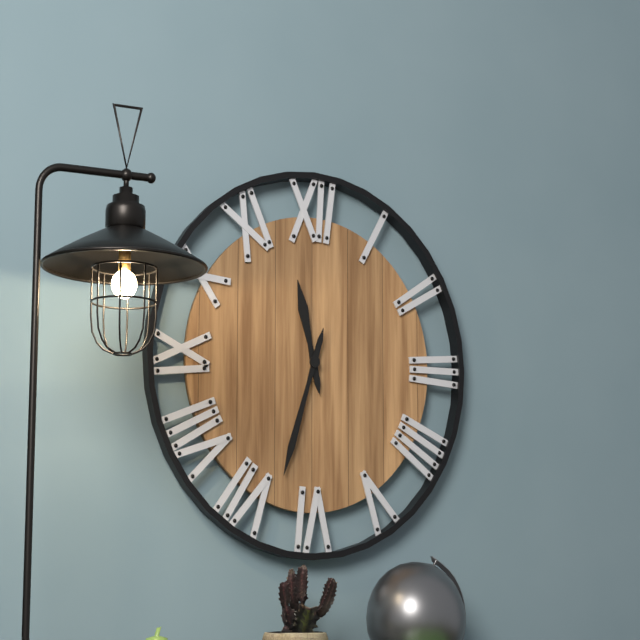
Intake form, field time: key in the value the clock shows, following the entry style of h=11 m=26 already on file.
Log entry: h=11 m=33
